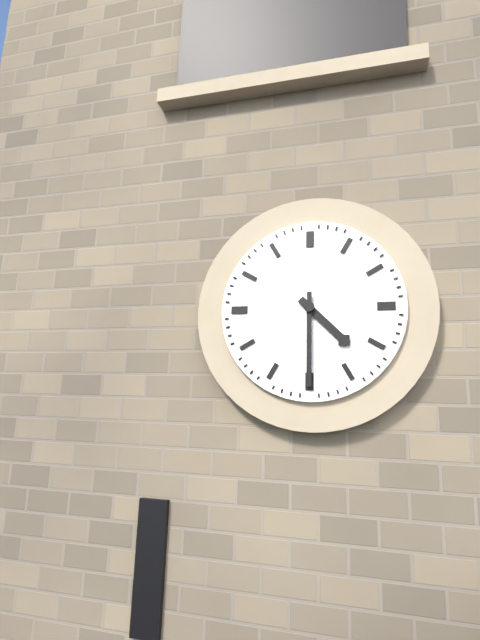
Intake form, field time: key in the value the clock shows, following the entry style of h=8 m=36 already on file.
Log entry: h=4 m=30
